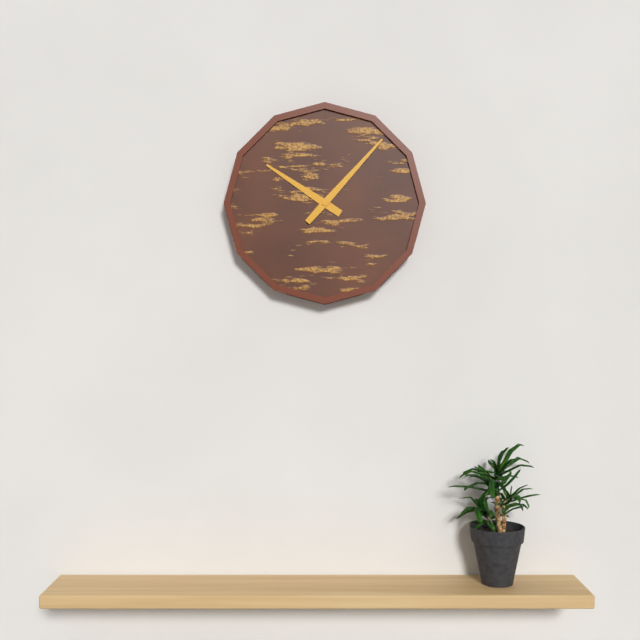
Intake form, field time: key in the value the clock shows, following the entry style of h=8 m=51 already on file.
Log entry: h=10 m=7
